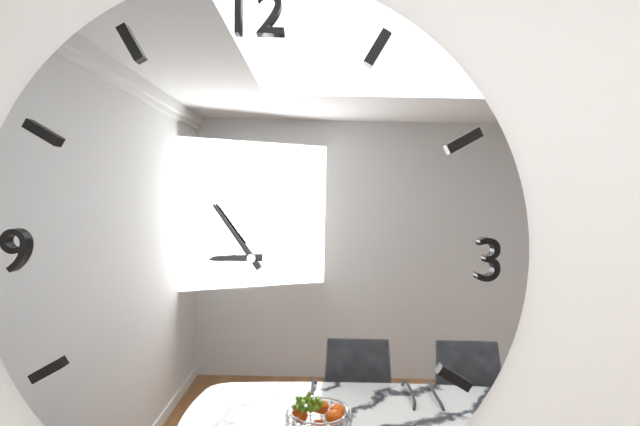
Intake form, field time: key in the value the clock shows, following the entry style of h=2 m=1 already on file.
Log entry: h=8 m=54
